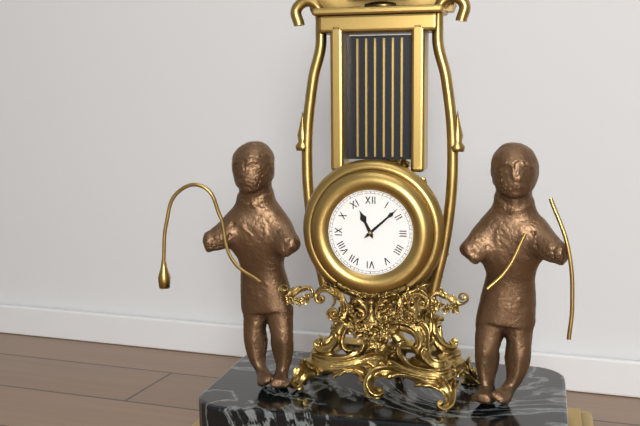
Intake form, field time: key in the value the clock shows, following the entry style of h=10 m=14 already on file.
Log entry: h=11 m=8
